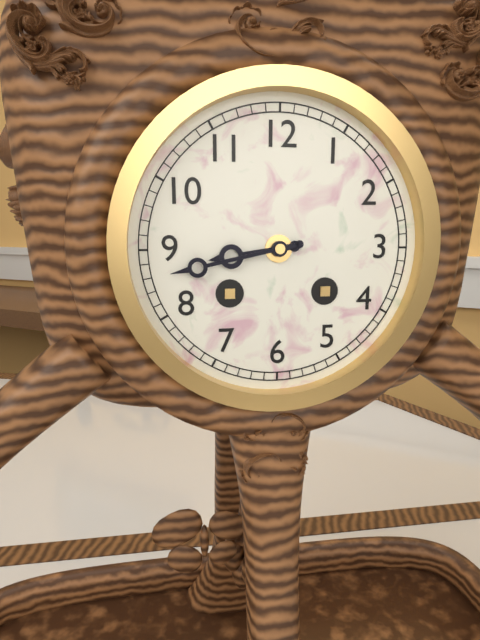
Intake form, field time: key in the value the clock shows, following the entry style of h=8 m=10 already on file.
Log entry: h=8 m=43
